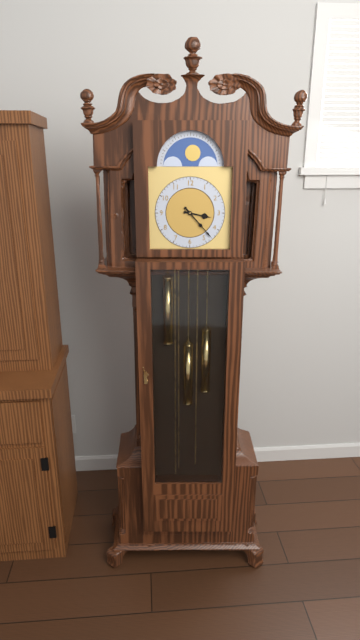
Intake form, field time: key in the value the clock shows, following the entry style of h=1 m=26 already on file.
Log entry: h=3 m=23
